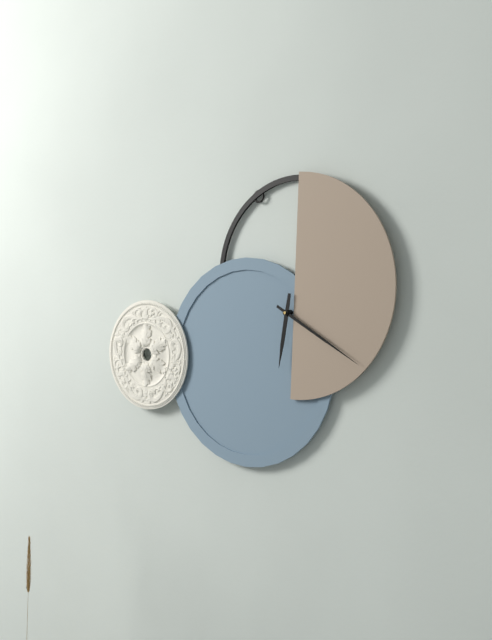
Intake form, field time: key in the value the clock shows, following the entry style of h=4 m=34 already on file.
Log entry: h=6 m=20
